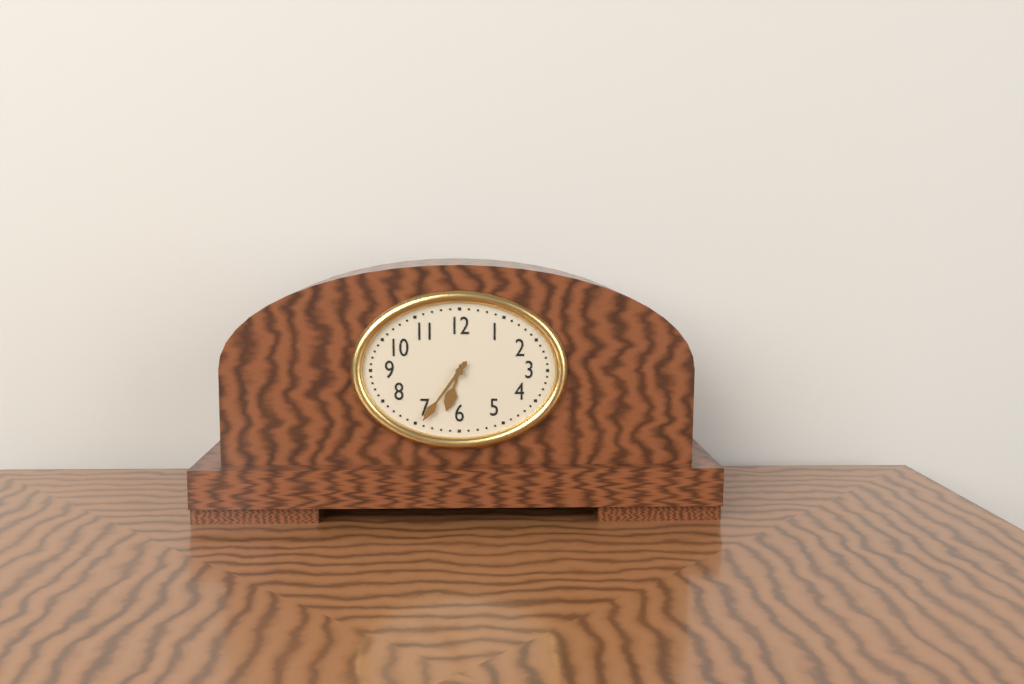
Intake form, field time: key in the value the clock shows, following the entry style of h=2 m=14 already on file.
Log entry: h=6 m=36
